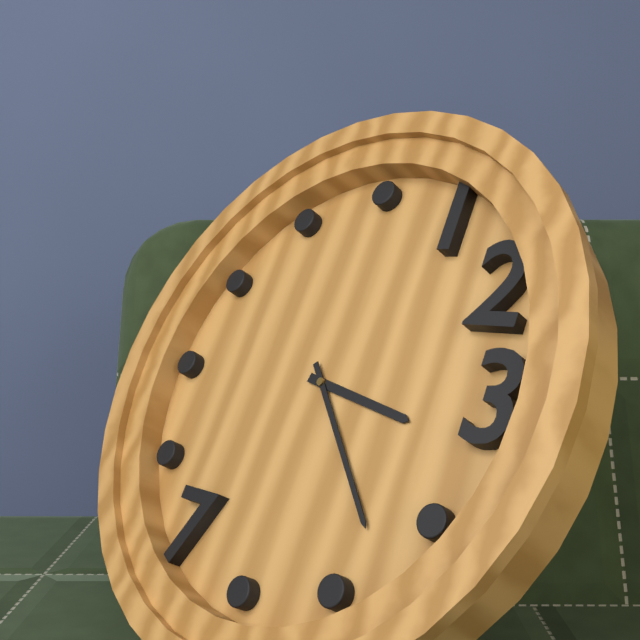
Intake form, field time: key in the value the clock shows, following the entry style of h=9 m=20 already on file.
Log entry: h=3 m=23
